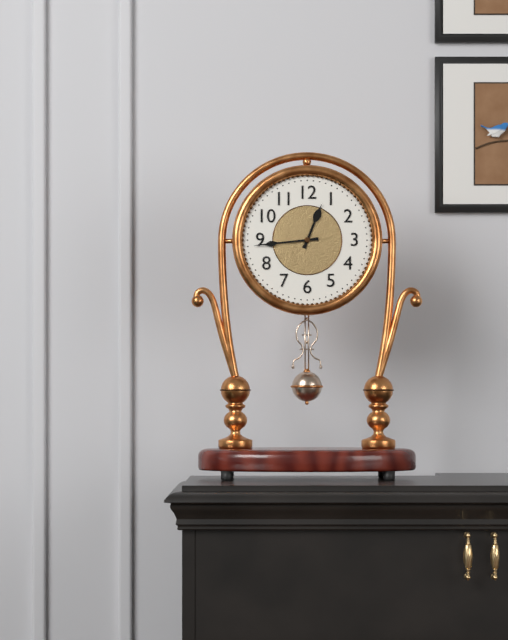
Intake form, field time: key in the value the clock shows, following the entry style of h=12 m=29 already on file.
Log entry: h=12 m=44
